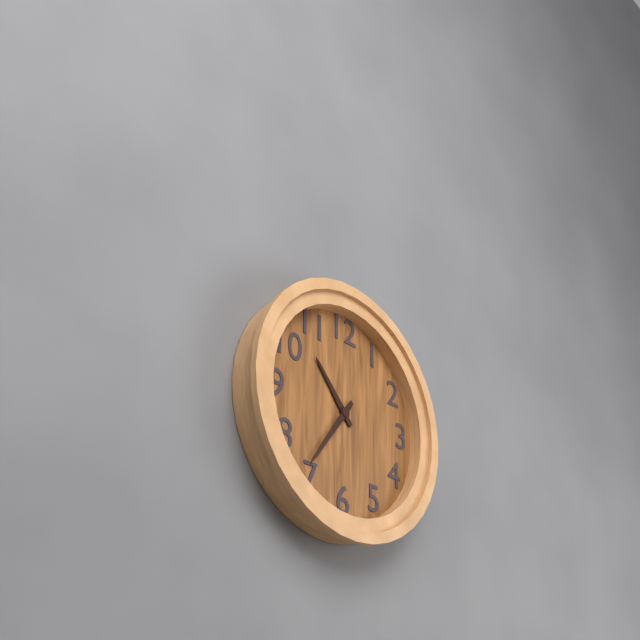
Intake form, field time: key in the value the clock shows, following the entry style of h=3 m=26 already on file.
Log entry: h=10 m=36
